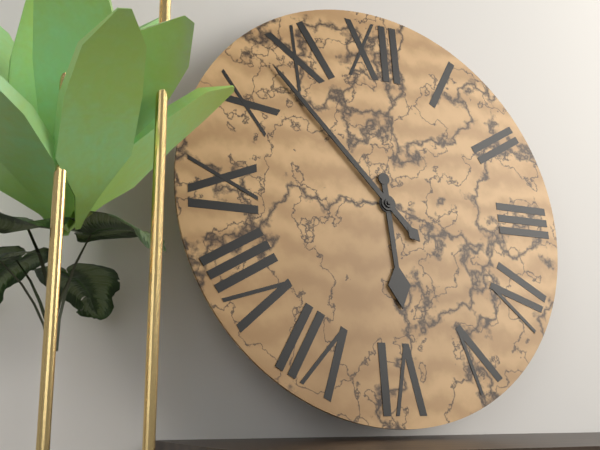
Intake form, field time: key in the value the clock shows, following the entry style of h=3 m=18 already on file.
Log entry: h=5 m=53
